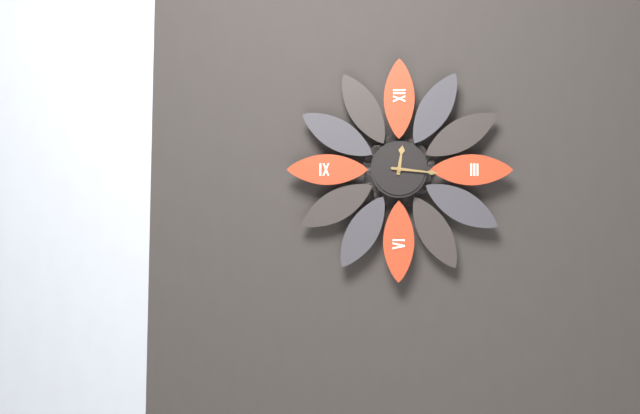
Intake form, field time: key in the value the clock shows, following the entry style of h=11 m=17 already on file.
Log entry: h=12 m=16
